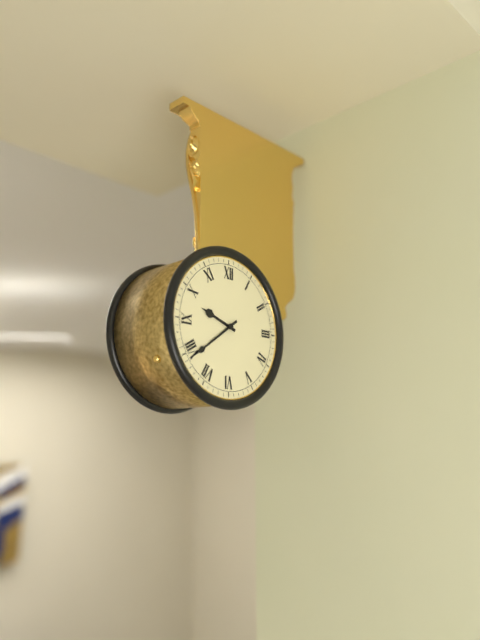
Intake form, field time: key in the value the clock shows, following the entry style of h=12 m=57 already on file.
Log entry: h=9 m=39
